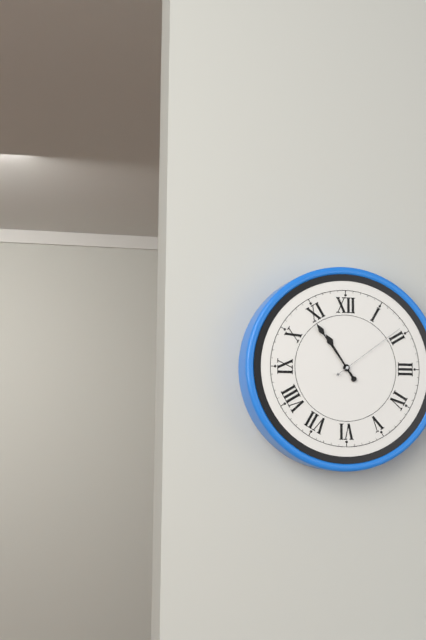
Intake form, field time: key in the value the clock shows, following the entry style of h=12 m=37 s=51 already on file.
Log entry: h=10 m=54 s=9
